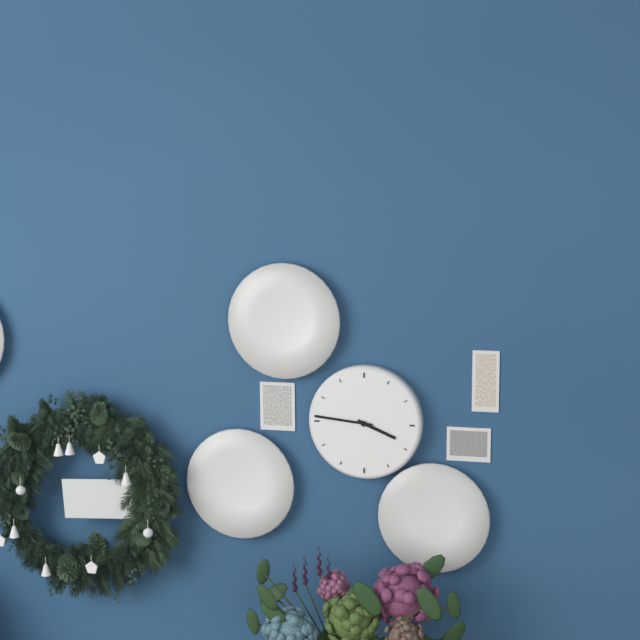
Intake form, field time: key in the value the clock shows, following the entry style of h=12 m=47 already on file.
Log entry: h=3 m=46
